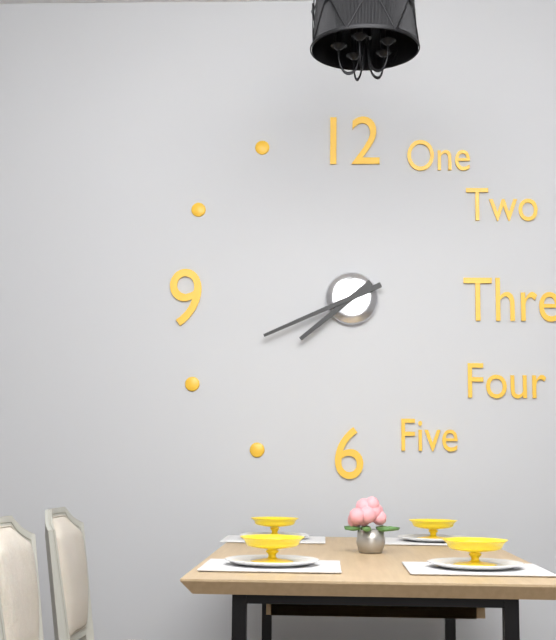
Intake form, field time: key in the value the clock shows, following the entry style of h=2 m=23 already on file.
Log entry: h=7 m=41
